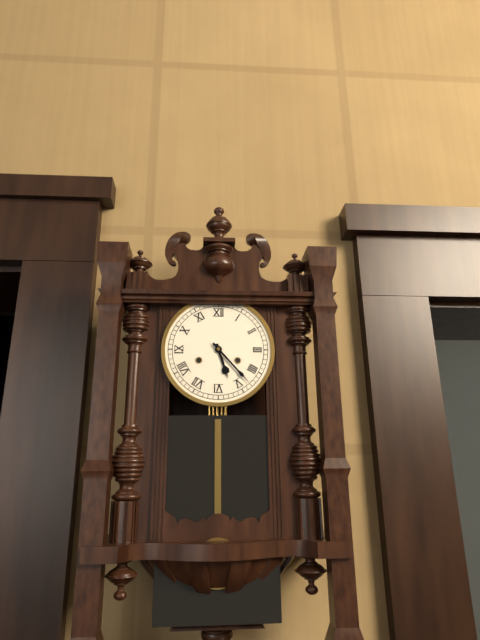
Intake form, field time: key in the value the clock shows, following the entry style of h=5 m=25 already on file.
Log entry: h=5 m=23
